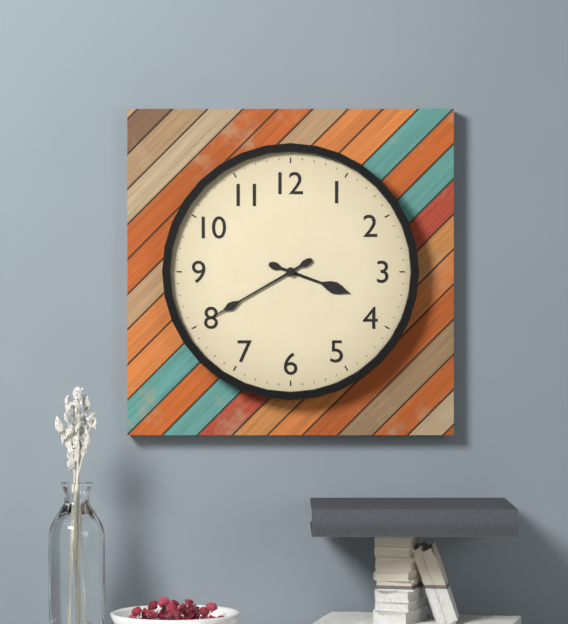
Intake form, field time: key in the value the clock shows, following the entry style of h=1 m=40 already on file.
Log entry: h=3 m=40
